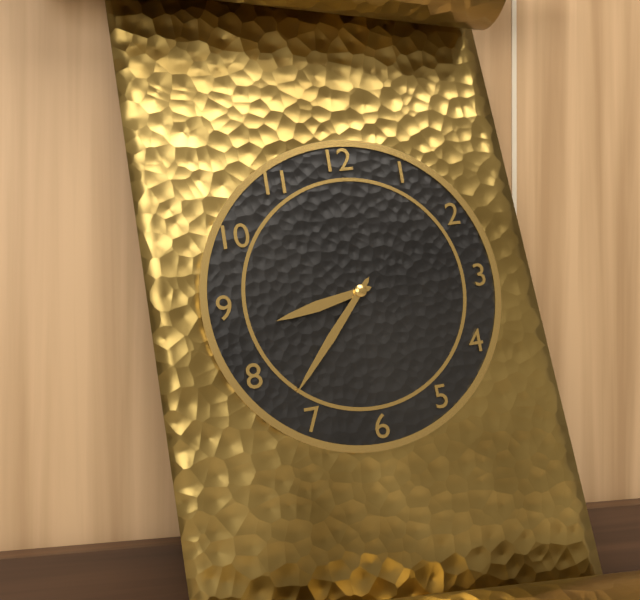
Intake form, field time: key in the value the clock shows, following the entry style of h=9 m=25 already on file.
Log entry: h=8 m=37
